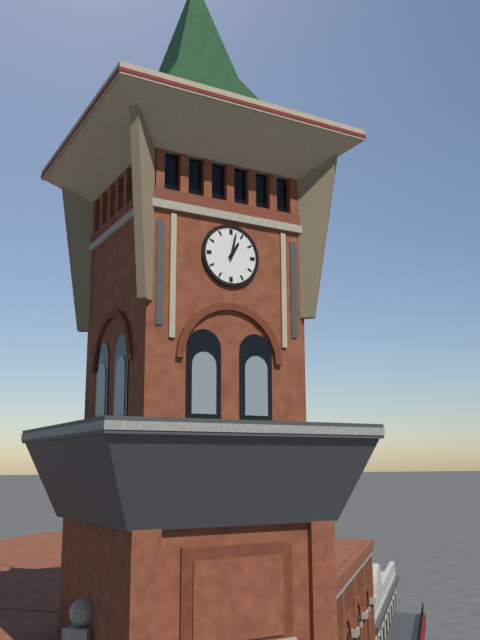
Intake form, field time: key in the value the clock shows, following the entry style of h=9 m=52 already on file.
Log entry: h=1 m=2
